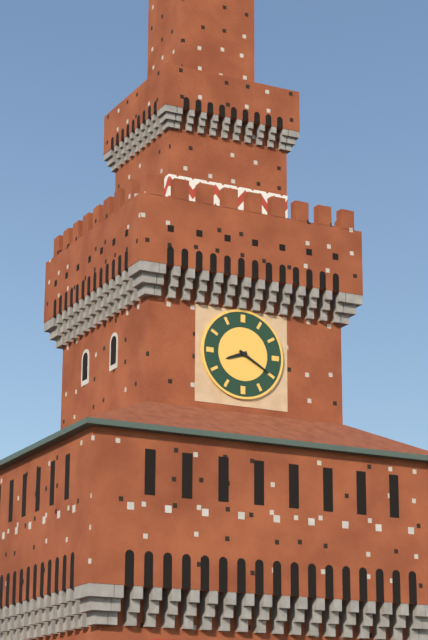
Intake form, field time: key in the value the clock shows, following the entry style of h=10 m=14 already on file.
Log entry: h=8 m=20
